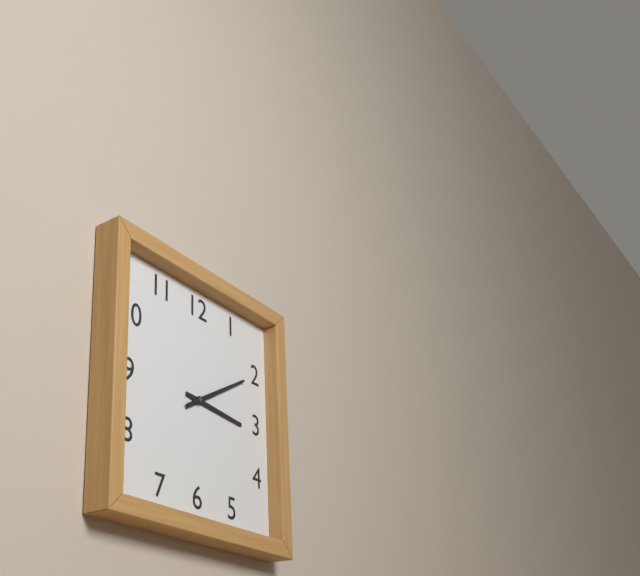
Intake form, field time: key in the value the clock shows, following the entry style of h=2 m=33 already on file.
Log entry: h=3 m=10
